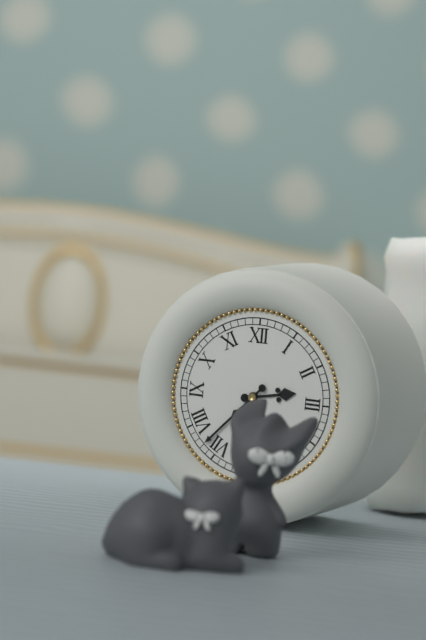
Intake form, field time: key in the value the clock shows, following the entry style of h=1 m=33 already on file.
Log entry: h=2 m=37
